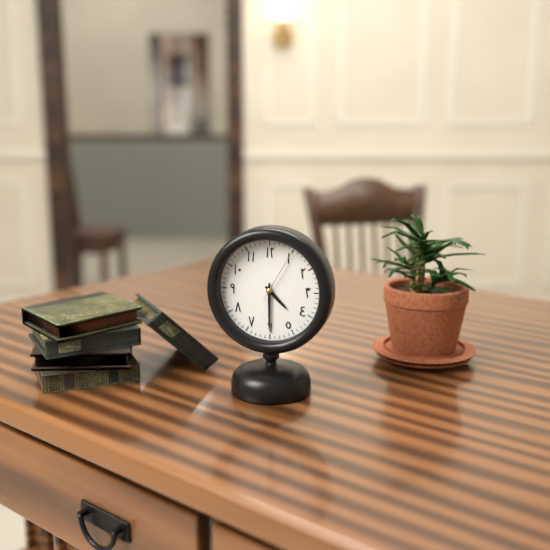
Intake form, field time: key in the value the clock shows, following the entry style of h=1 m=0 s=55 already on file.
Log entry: h=4 m=30 s=5
